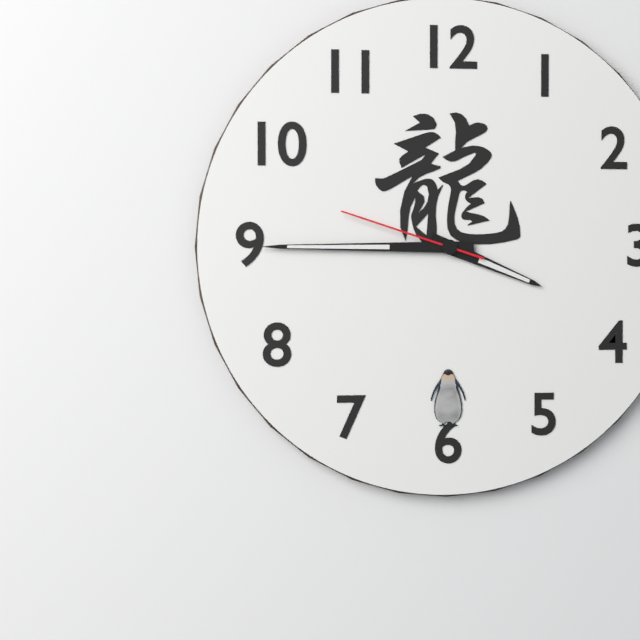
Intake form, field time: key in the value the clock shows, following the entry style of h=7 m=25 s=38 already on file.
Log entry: h=3 m=45 s=48
